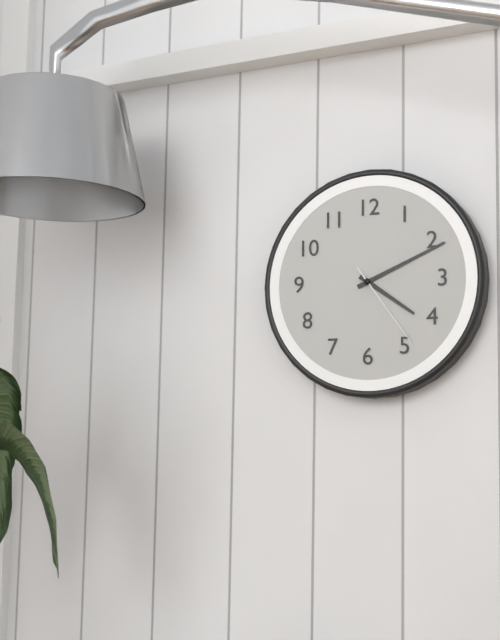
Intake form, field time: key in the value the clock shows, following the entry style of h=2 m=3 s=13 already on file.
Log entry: h=4 m=11 s=24
